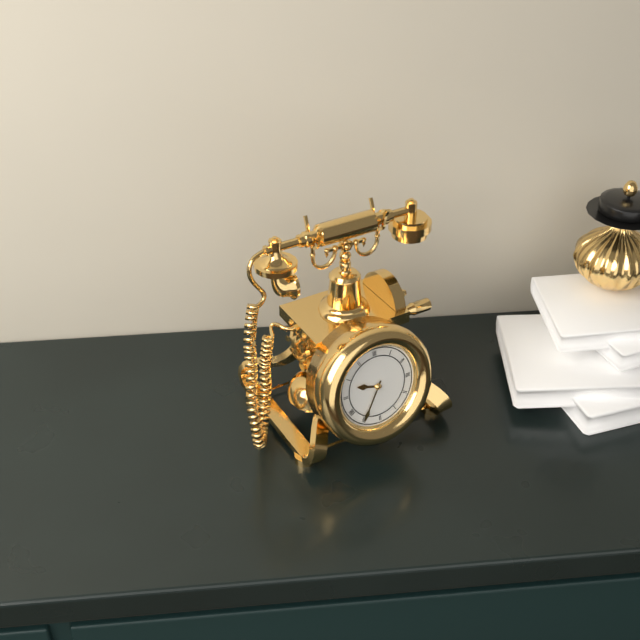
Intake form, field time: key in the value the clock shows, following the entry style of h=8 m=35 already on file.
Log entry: h=9 m=35
